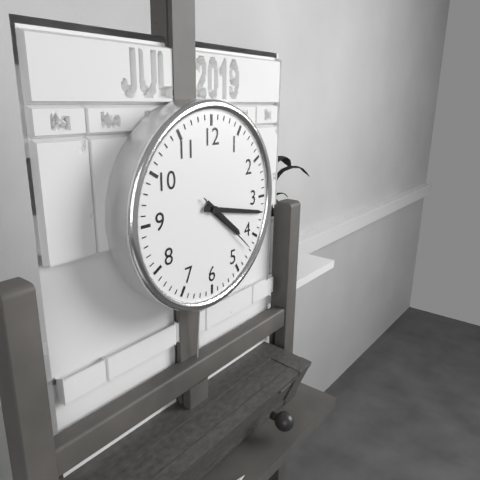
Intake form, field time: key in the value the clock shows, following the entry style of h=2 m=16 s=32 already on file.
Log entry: h=4 m=17 s=22
